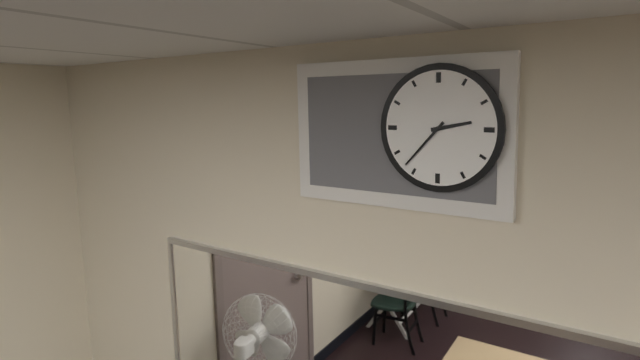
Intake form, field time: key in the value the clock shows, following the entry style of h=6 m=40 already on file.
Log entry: h=2 m=37
